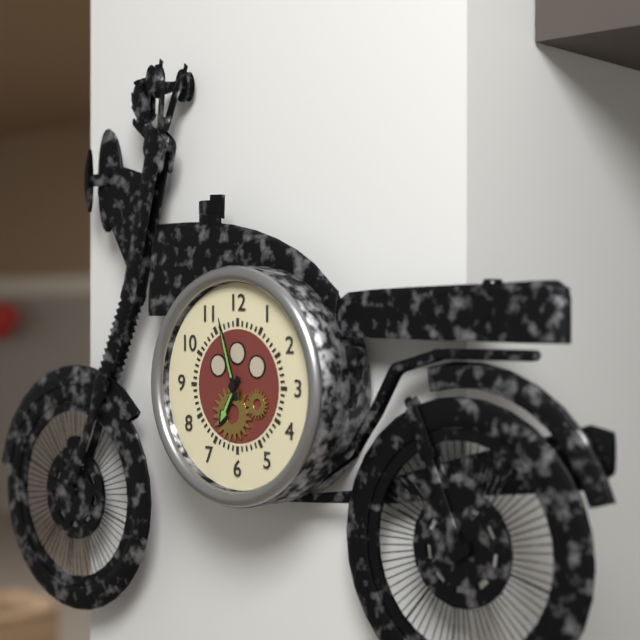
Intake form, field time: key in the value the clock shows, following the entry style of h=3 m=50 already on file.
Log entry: h=6 m=57
